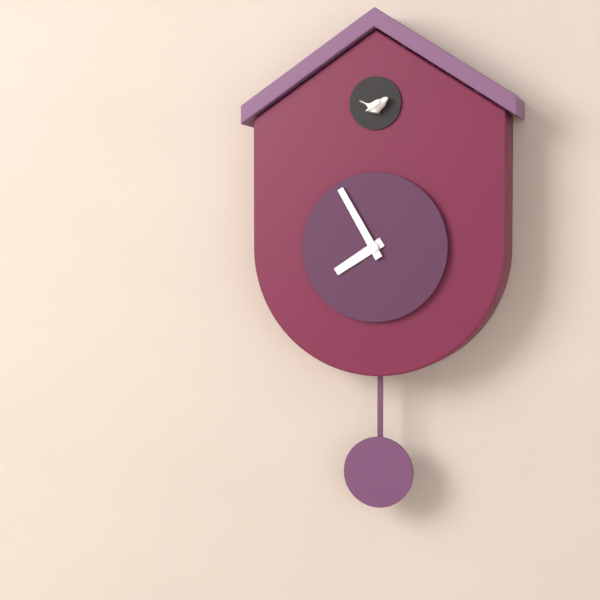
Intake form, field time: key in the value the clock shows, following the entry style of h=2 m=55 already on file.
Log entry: h=7 m=55
